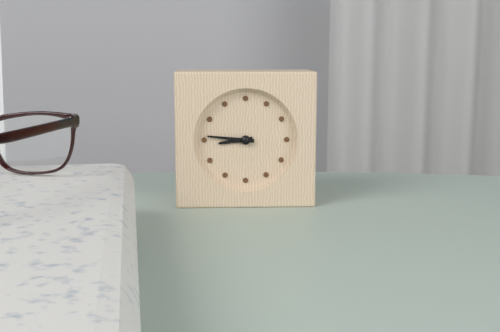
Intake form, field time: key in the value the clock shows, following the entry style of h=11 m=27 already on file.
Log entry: h=8 m=46
